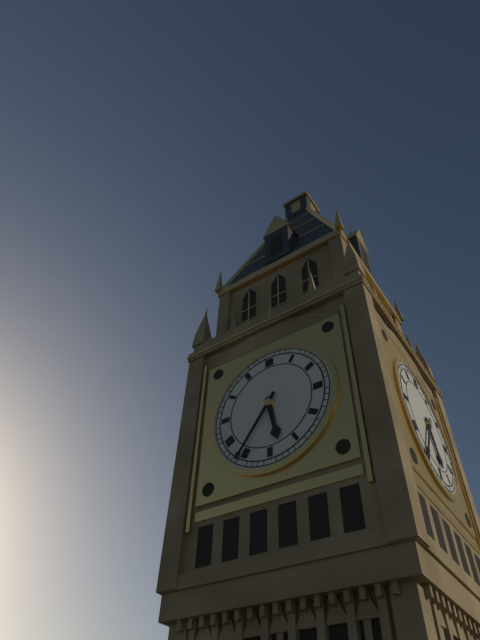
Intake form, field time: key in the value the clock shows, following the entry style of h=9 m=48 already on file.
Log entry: h=5 m=36
